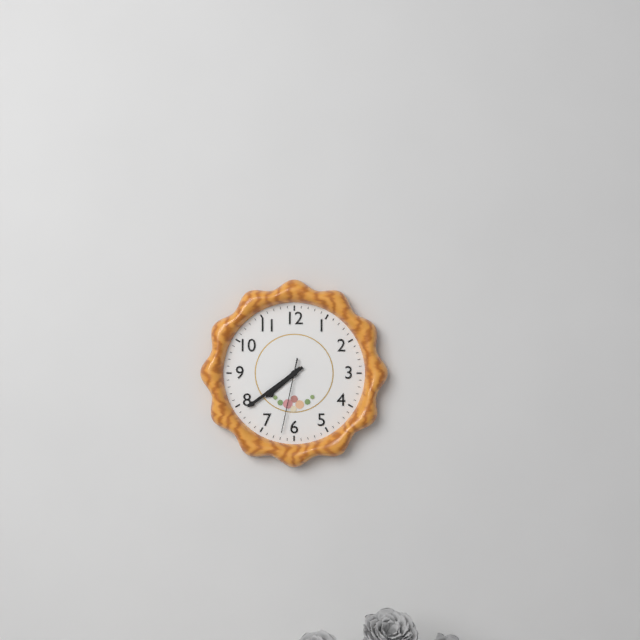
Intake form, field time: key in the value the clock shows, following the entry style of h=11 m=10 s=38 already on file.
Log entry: h=7 m=39 s=32
